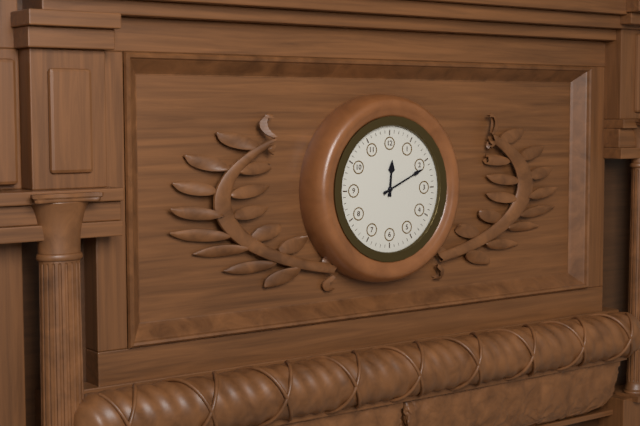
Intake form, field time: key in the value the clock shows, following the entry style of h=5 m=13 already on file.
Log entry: h=12 m=11
